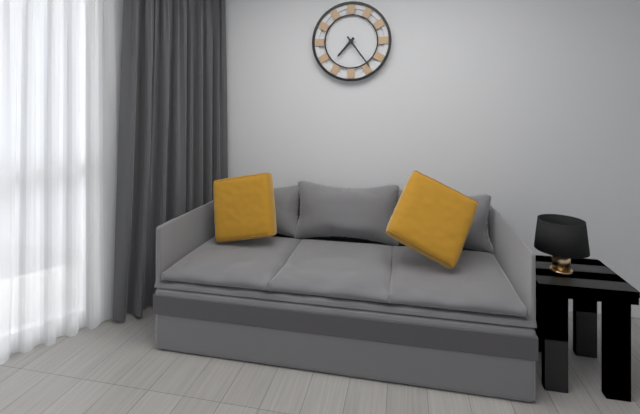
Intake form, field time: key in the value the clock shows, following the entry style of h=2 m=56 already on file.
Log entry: h=7 m=24
